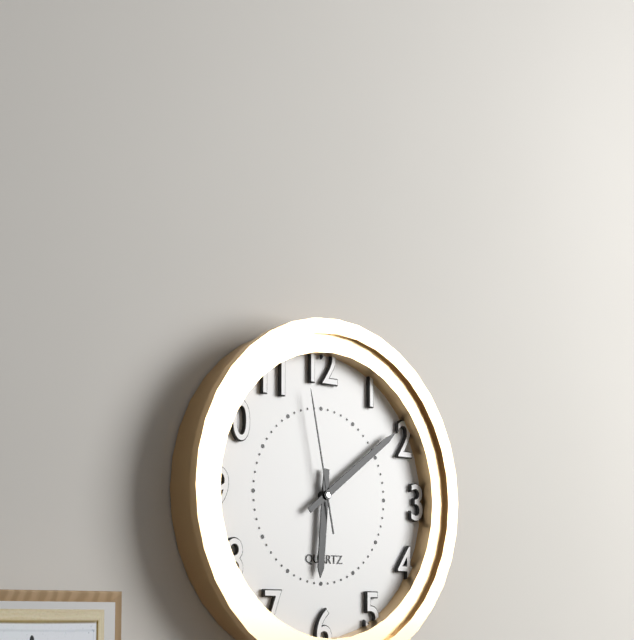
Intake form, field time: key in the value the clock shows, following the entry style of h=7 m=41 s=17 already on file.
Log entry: h=6 m=9 s=58
